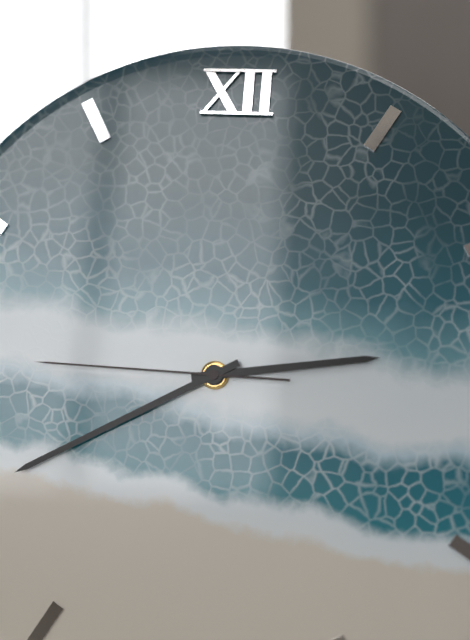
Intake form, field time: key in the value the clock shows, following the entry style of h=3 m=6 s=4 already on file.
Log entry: h=2 m=40 s=45
